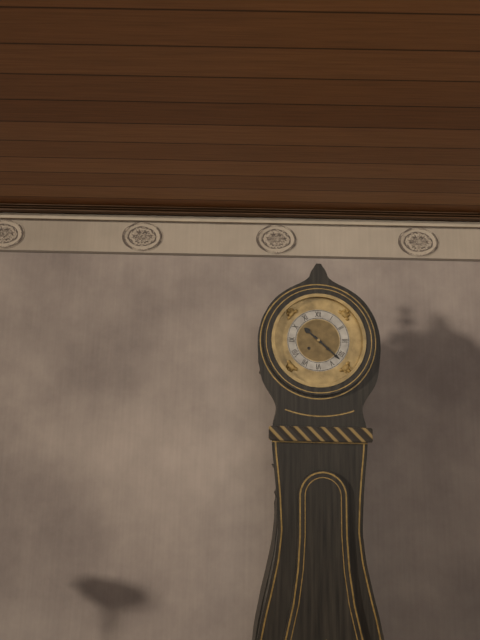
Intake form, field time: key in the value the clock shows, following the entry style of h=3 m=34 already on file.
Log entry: h=10 m=22
